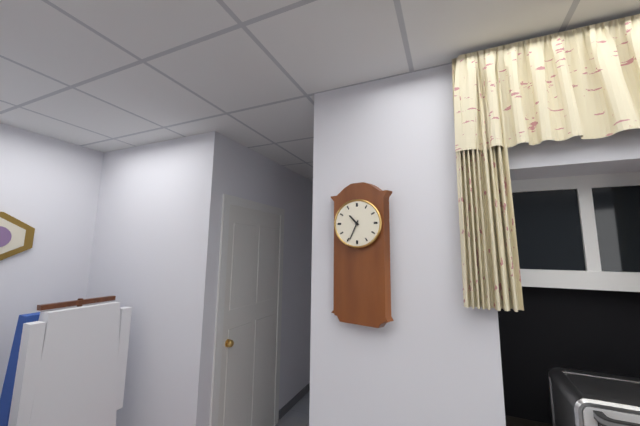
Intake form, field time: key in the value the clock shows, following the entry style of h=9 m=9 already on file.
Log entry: h=10 m=34
